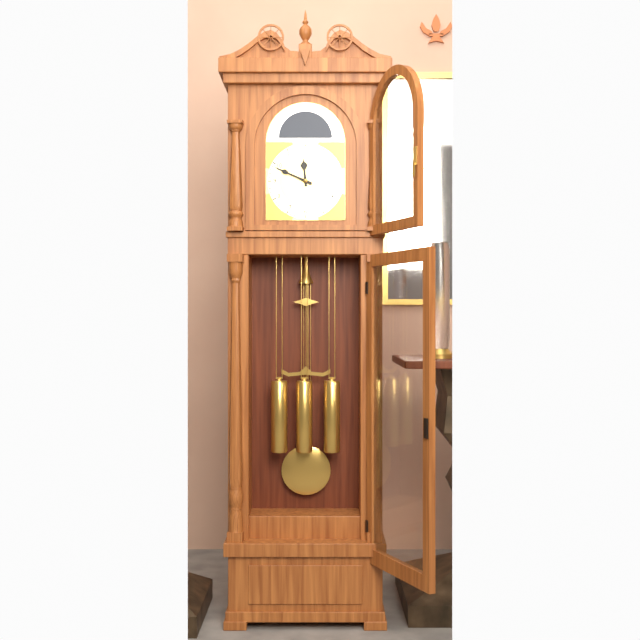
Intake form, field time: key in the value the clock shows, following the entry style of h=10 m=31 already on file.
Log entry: h=11 m=49
